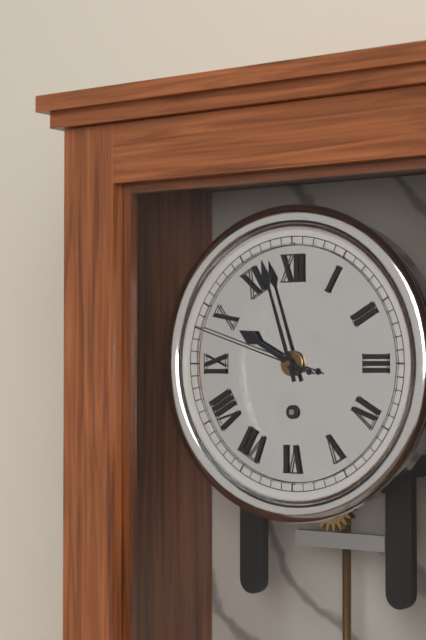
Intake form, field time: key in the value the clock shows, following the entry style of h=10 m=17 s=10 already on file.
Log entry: h=9 m=57 s=48
